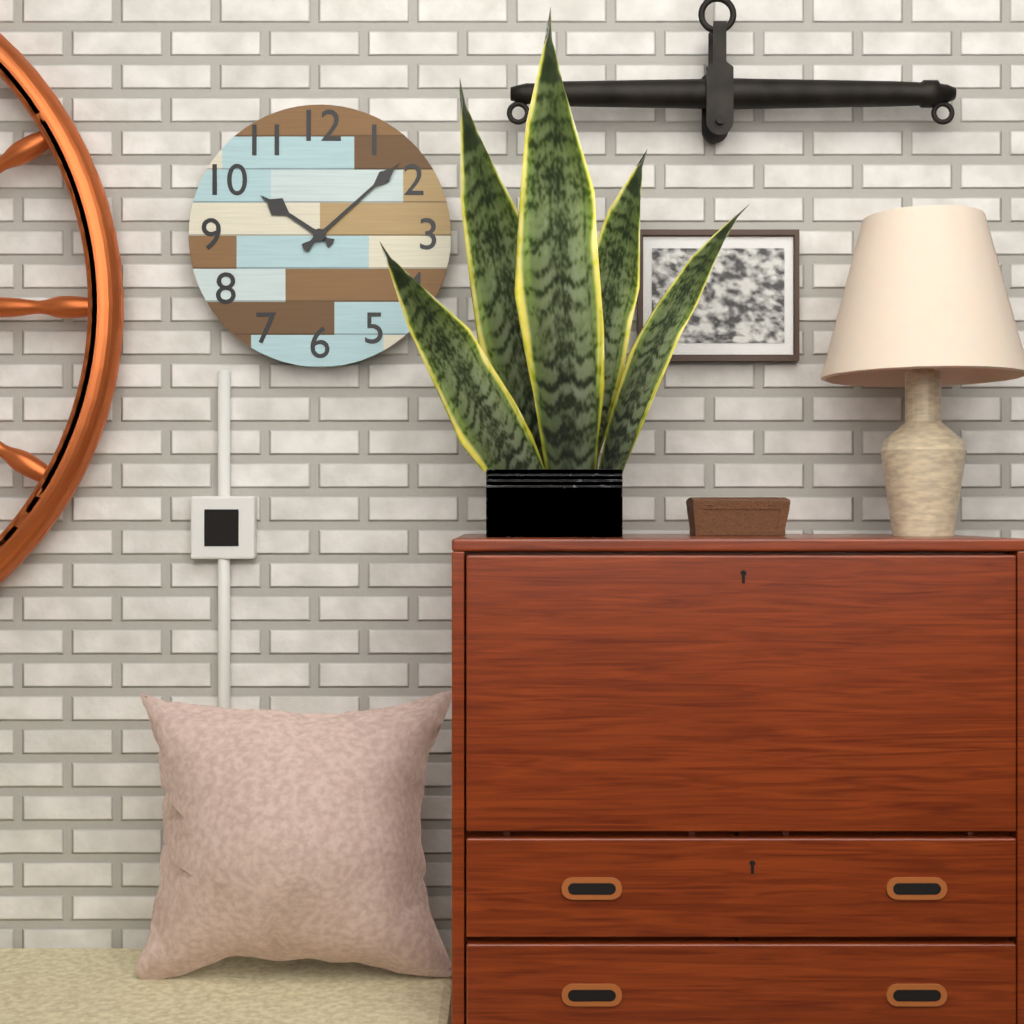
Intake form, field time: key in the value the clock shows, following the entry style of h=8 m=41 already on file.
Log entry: h=10 m=8
